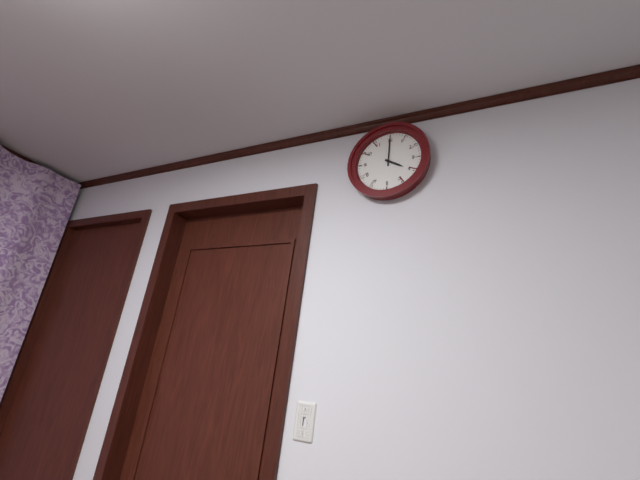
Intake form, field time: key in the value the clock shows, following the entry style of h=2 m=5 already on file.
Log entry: h=4 m=0
